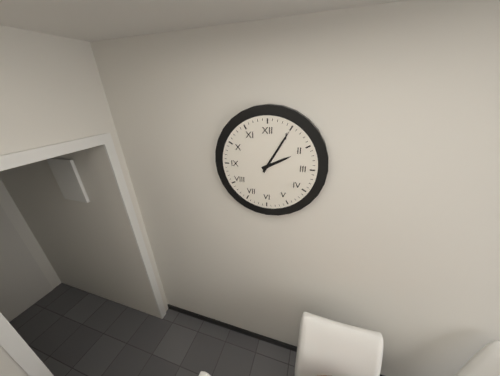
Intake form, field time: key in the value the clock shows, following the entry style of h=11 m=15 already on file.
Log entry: h=2 m=5
